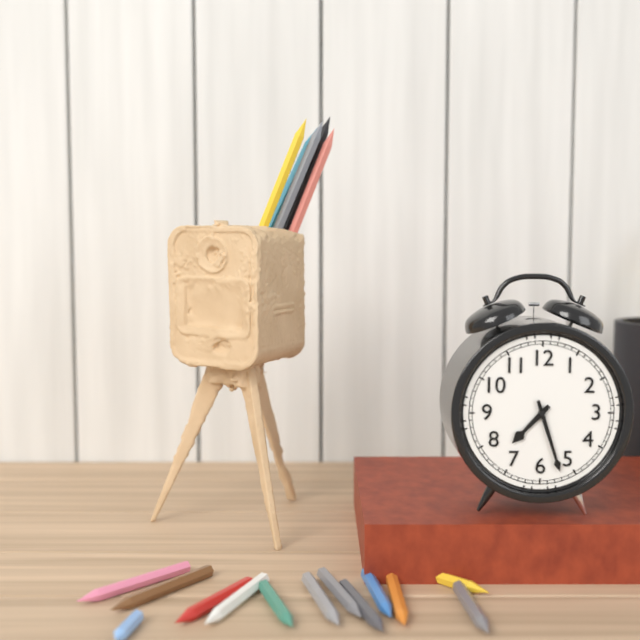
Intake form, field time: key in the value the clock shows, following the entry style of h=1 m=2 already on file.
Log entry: h=7 m=27
